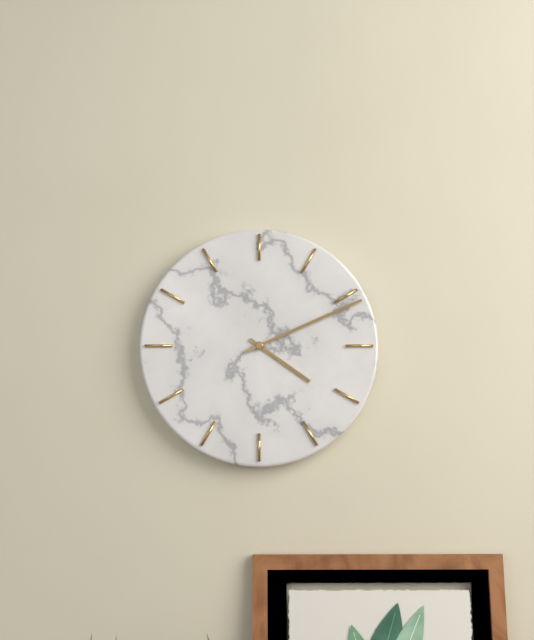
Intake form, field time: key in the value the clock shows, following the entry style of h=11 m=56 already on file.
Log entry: h=4 m=11
